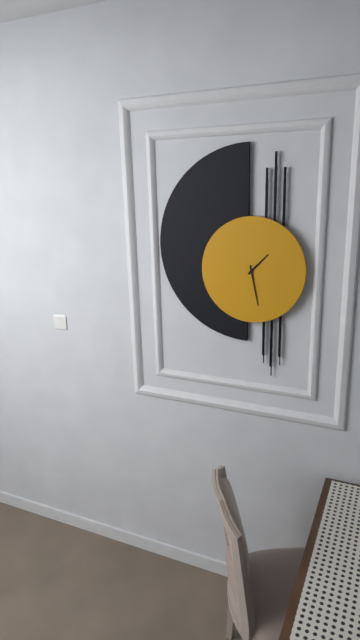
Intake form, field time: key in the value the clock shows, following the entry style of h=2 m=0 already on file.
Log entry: h=1 m=28
